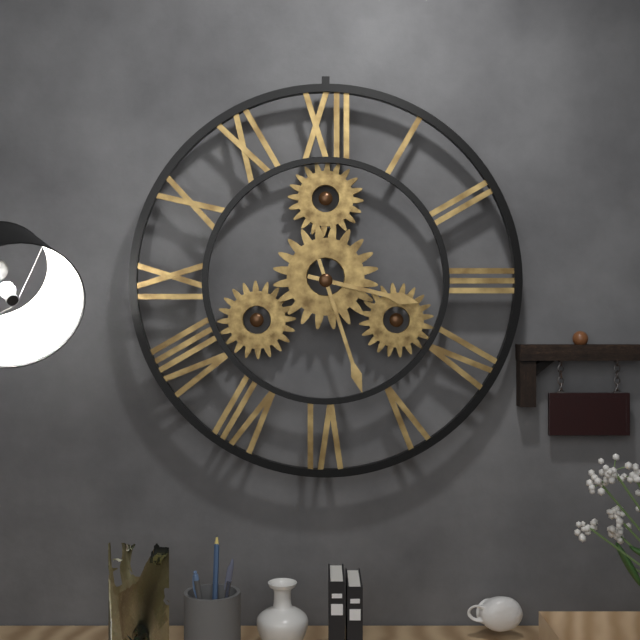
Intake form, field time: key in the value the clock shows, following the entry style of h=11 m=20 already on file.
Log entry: h=3 m=27
